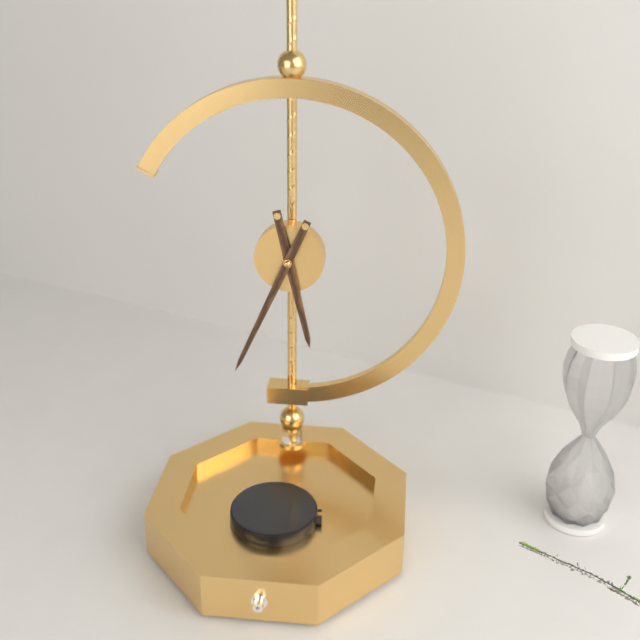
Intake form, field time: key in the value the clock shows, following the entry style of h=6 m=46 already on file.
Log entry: h=5 m=34
